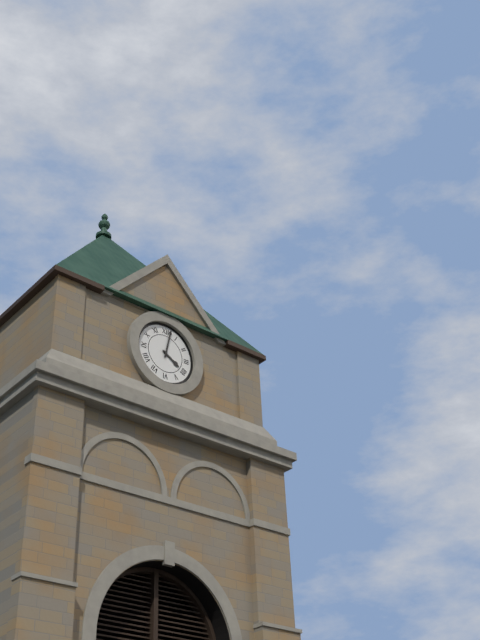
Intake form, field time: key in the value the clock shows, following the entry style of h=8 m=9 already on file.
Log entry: h=4 m=2
